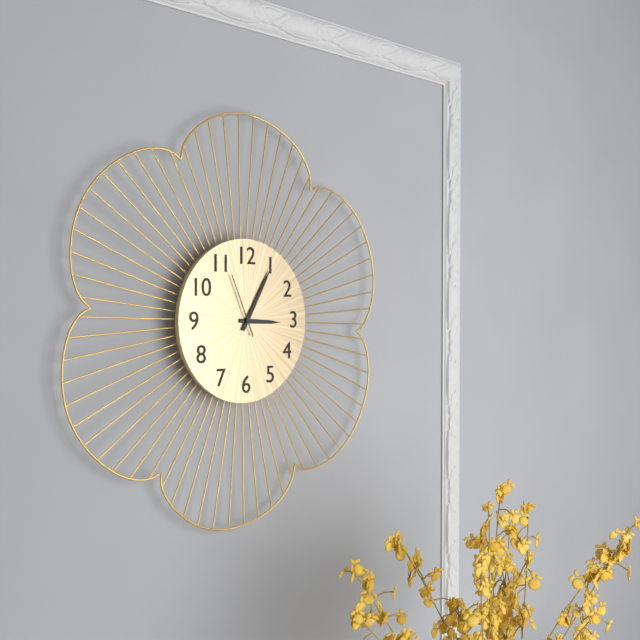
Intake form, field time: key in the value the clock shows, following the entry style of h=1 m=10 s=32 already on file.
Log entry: h=3 m=5 s=56
